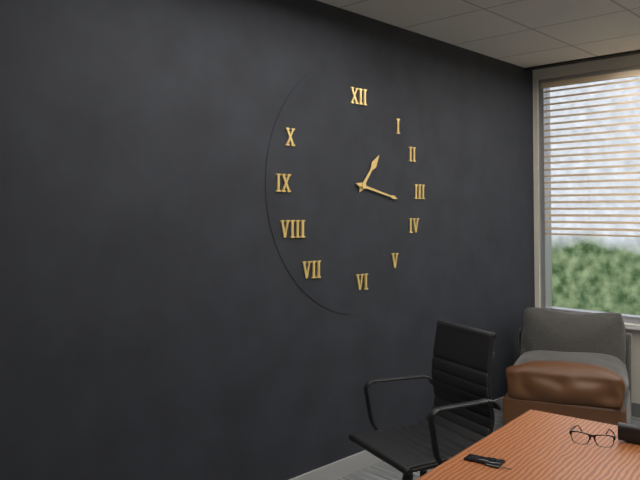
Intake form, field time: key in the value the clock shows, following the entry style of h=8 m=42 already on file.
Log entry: h=1 m=17
